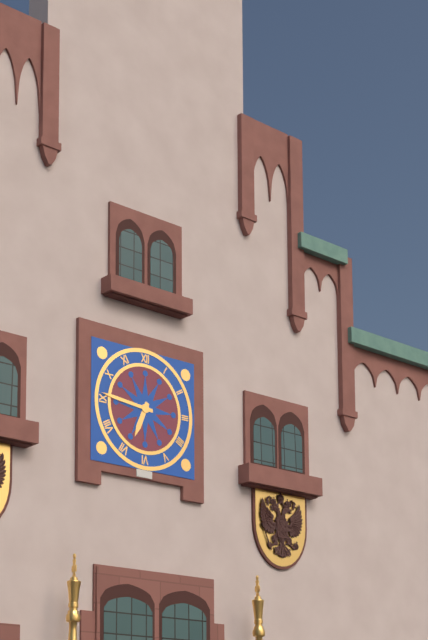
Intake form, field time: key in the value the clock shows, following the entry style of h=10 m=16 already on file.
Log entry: h=6 m=46
